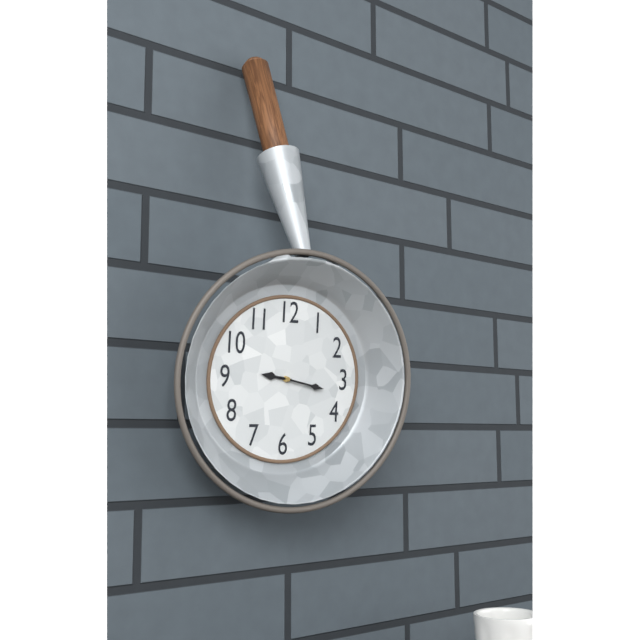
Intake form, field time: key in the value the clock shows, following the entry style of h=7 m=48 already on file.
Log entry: h=9 m=17
